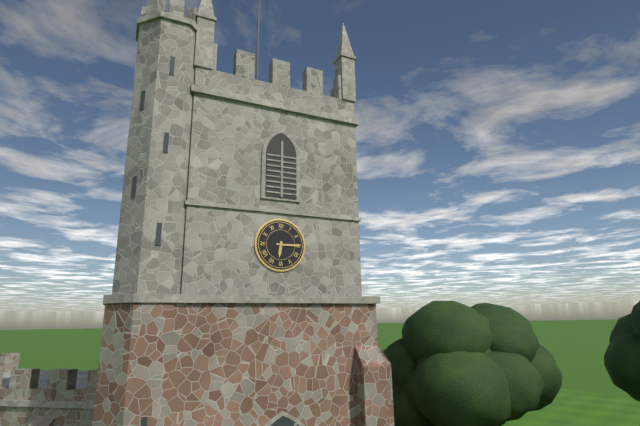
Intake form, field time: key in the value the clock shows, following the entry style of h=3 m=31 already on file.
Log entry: h=6 m=15
